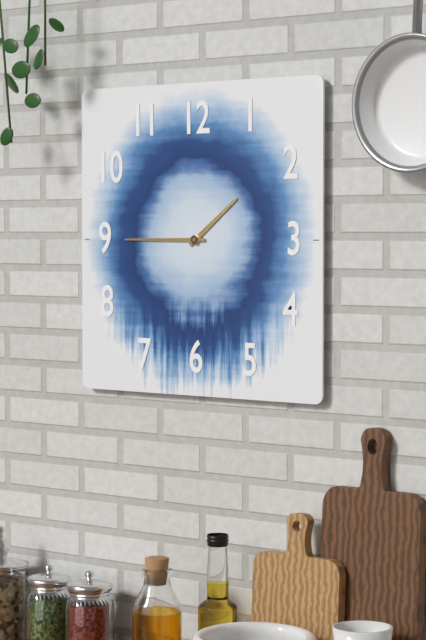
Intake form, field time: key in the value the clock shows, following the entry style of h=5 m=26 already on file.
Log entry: h=1 m=45
